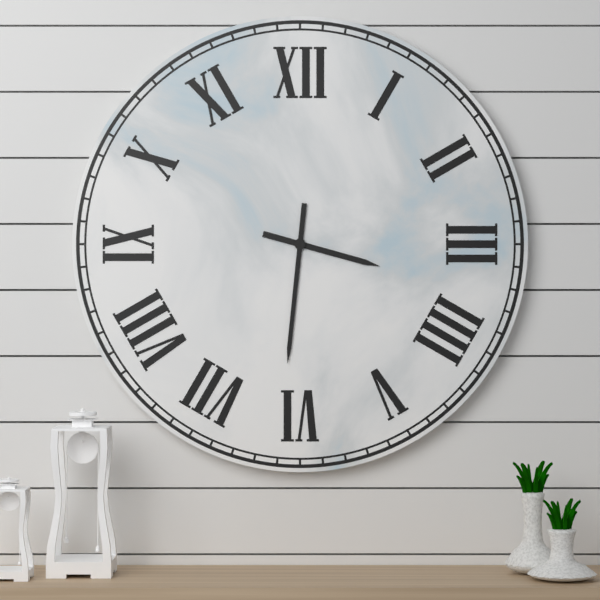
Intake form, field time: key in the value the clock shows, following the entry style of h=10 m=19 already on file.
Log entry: h=3 m=31
